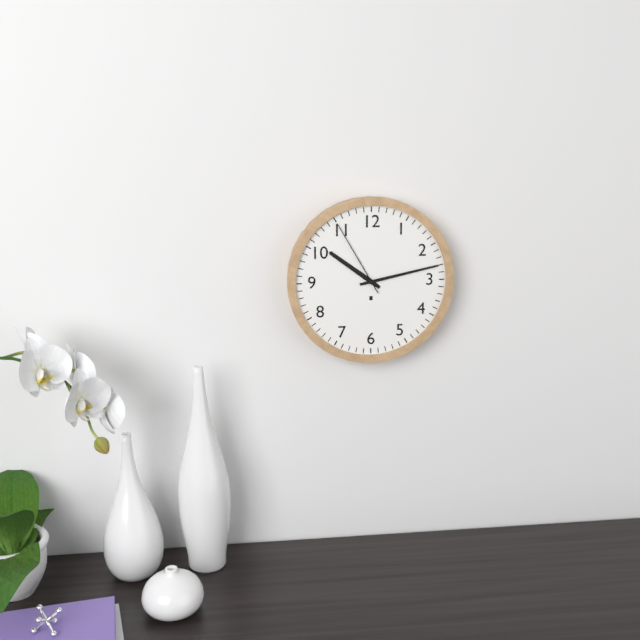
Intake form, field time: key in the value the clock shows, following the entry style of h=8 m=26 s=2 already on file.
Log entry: h=10 m=13 s=55
